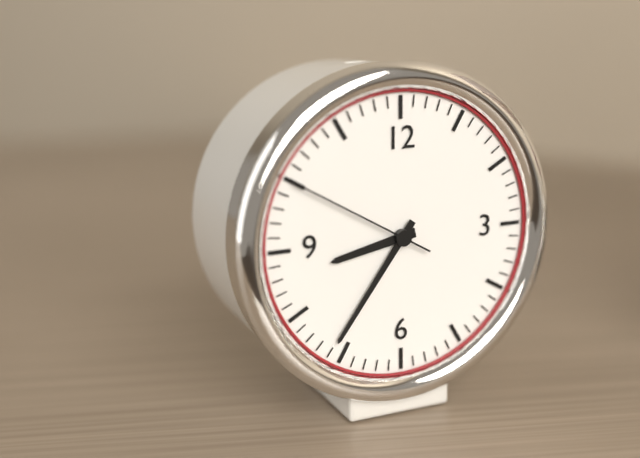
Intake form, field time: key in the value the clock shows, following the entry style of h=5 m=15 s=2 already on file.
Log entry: h=8 m=36 s=50
